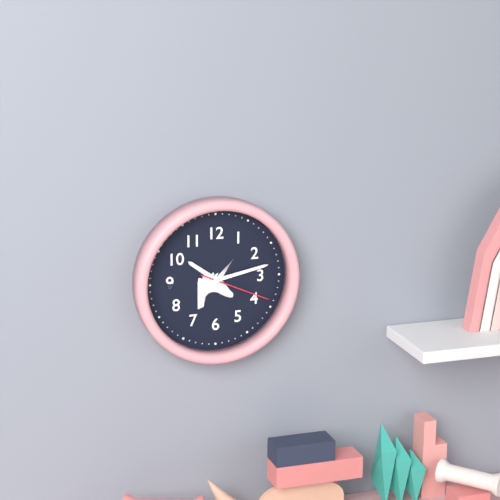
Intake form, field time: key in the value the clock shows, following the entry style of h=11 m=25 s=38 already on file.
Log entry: h=10 m=13 s=19
